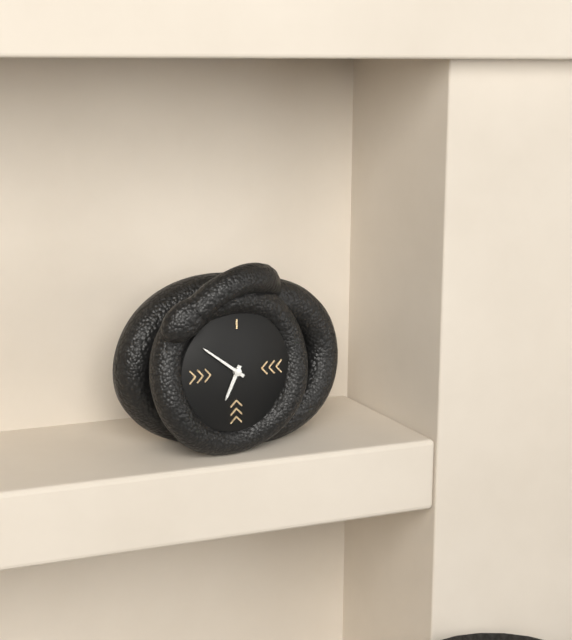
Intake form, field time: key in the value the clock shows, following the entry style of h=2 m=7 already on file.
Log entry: h=6 m=51
